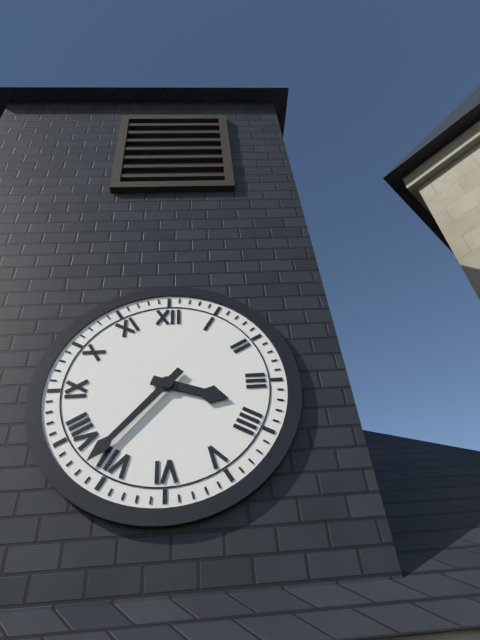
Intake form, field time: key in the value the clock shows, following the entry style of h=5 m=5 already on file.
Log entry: h=3 m=37
